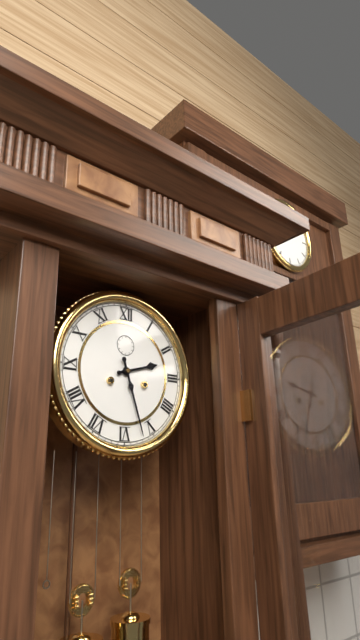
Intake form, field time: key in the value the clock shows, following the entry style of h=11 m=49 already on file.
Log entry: h=2 m=27
